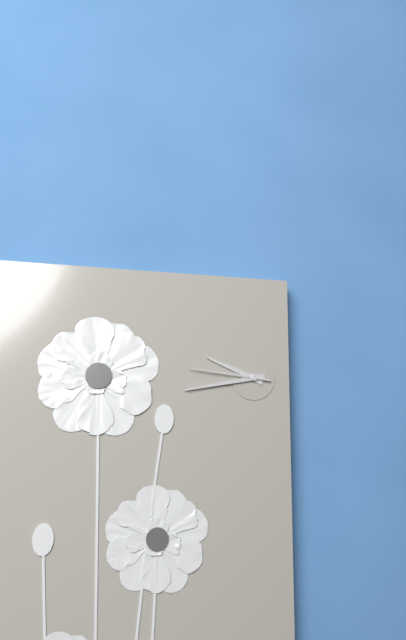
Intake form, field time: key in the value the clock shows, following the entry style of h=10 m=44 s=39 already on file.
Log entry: h=9 m=43 s=46
